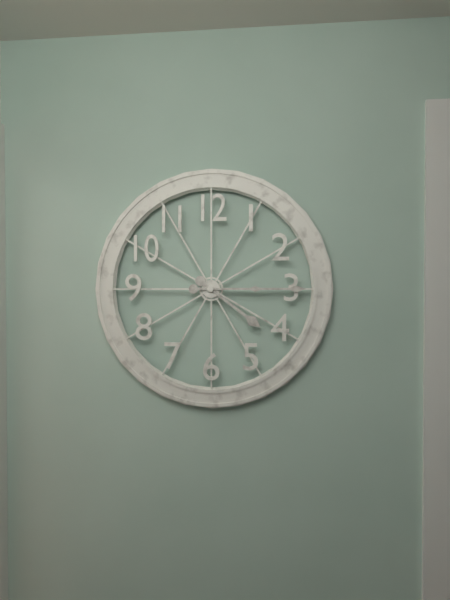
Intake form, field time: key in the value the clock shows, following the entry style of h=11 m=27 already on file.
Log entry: h=4 m=15
